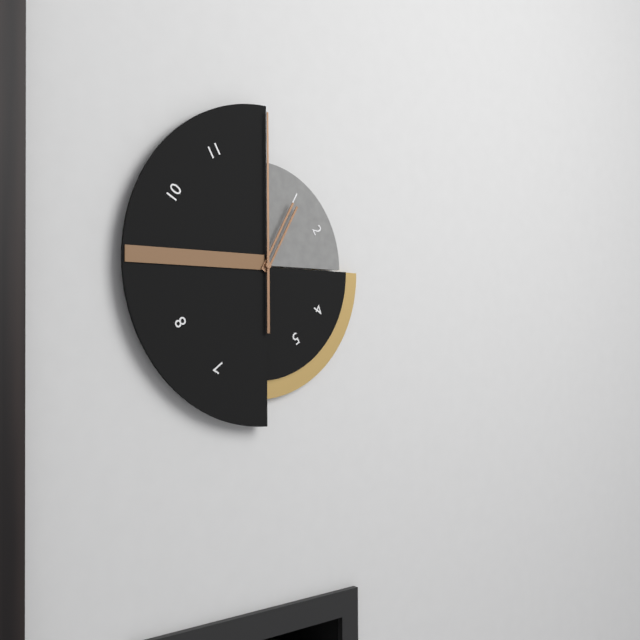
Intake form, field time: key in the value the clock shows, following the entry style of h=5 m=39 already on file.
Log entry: h=1 m=0
